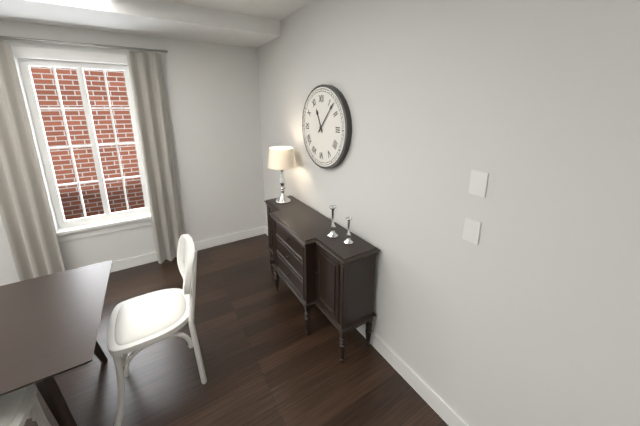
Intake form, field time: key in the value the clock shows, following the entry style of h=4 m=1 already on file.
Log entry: h=11 m=7
